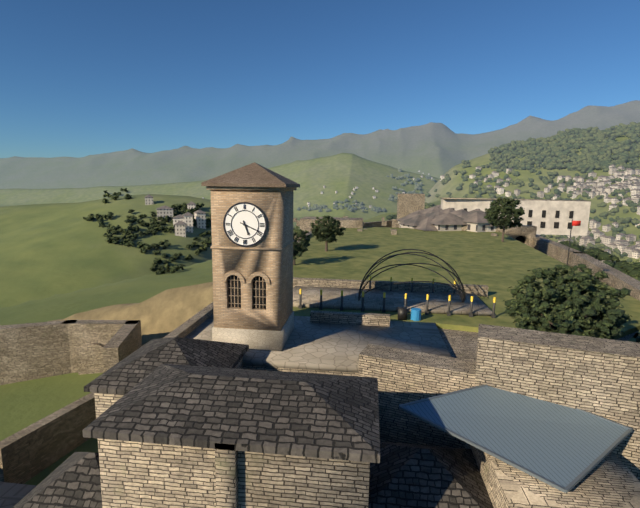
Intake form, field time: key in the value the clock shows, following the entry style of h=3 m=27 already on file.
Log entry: h=5 m=19
